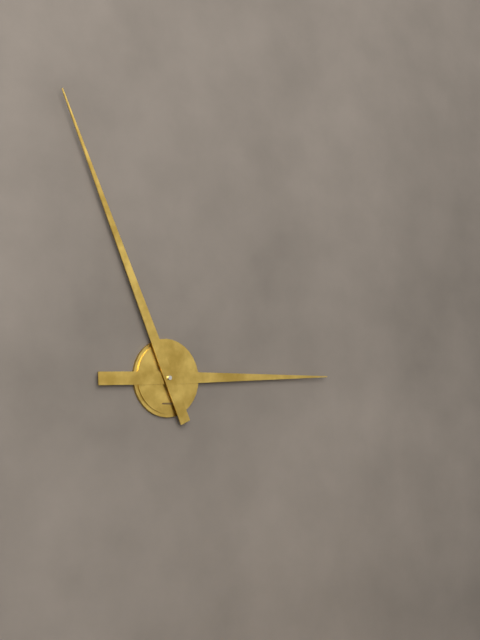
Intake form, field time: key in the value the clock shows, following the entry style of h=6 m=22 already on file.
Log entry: h=2 m=56
